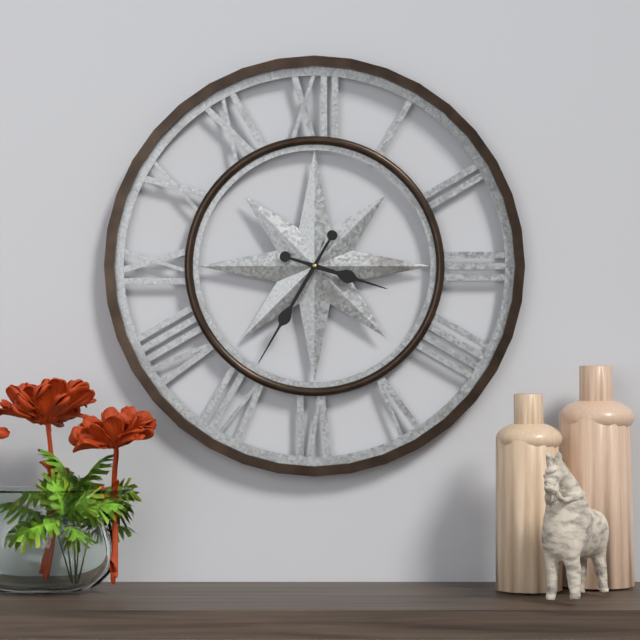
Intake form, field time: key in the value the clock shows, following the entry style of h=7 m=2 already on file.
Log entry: h=3 m=35
